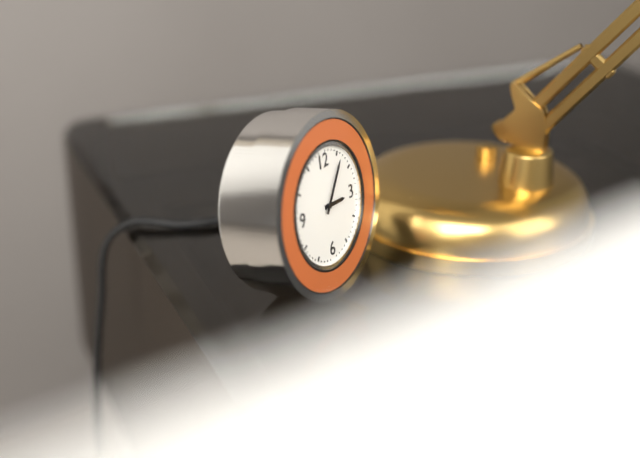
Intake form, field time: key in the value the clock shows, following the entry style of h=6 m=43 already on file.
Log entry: h=3 m=6
